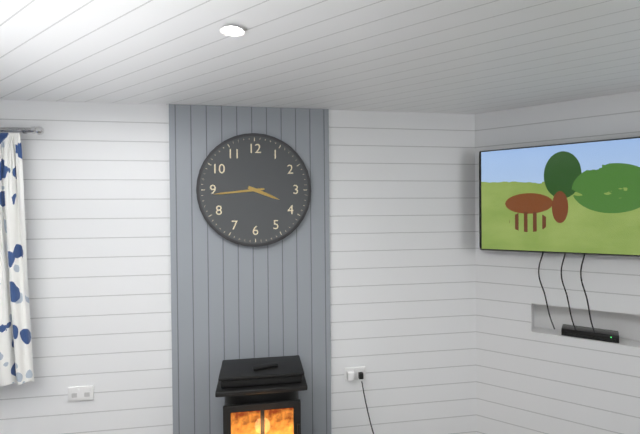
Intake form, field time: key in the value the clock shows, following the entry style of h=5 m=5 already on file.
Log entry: h=3 m=44
